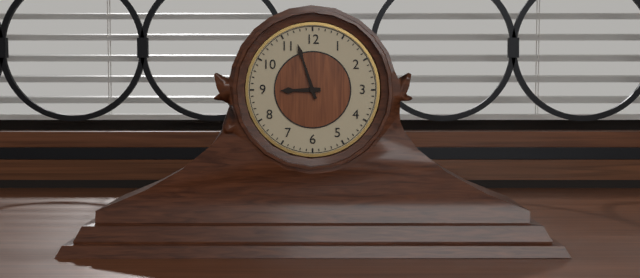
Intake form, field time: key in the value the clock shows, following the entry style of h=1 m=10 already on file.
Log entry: h=8 m=57
